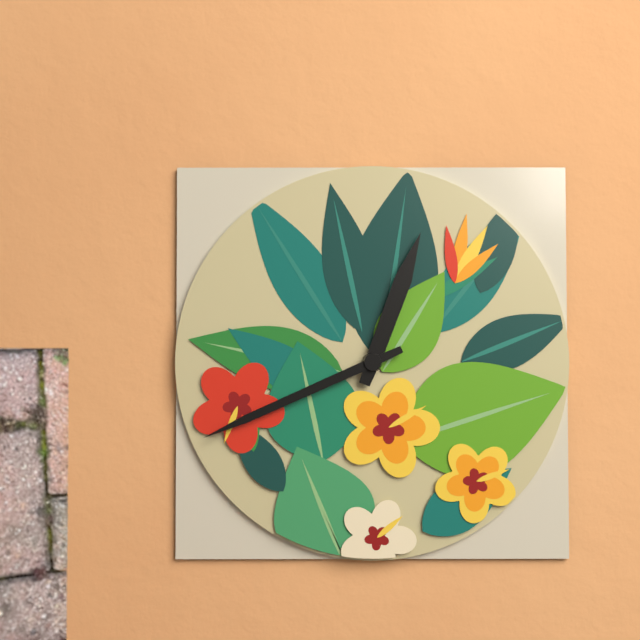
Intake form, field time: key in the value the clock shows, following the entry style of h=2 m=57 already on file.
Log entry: h=12 m=41
